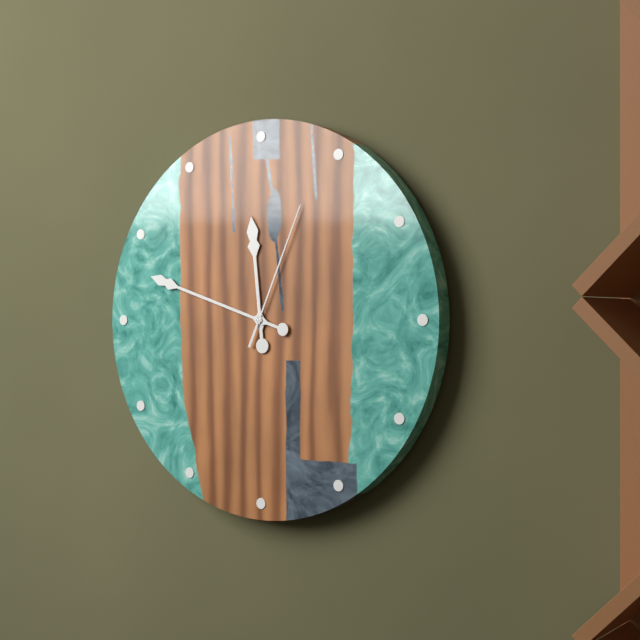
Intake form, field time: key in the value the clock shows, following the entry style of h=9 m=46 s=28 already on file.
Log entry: h=11 m=48 s=4
